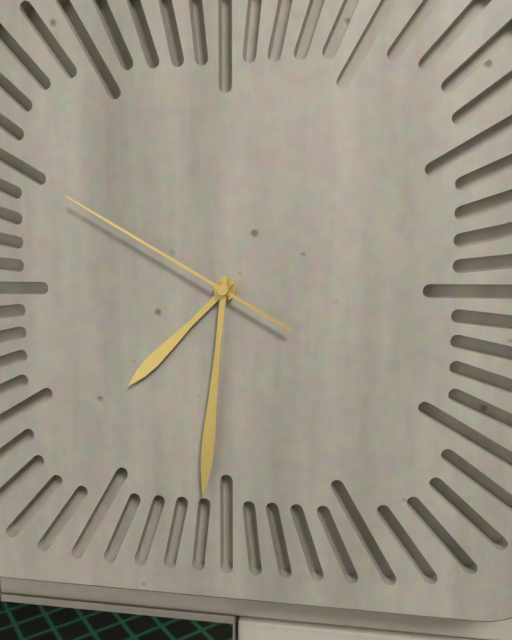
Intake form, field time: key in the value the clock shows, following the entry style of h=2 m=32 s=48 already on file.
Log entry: h=7 m=31 s=50
